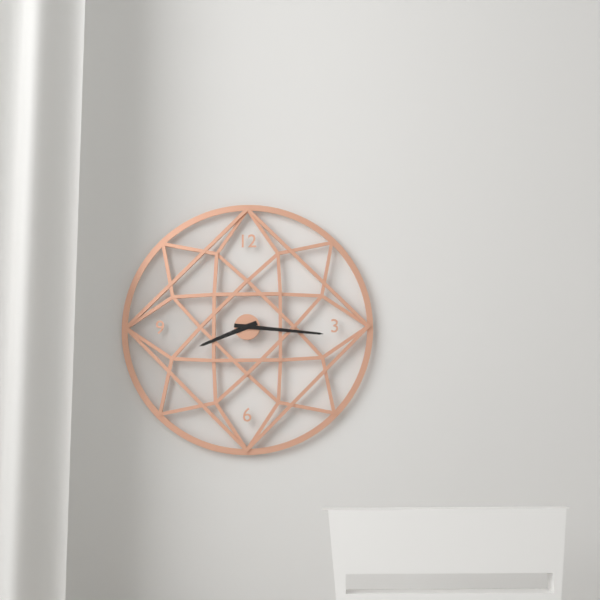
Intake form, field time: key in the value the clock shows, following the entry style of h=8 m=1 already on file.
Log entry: h=8 m=16
